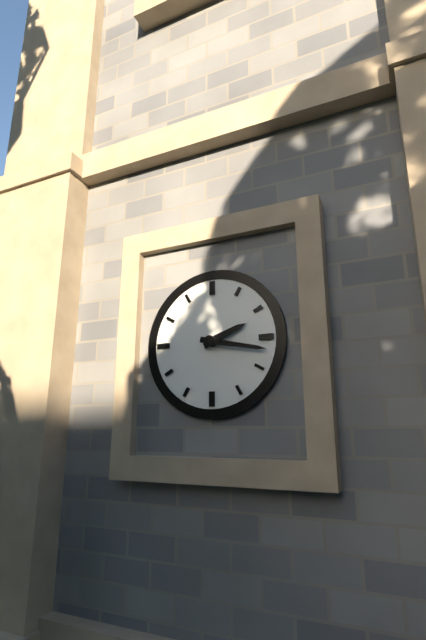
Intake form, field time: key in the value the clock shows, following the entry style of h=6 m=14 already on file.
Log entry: h=2 m=17
